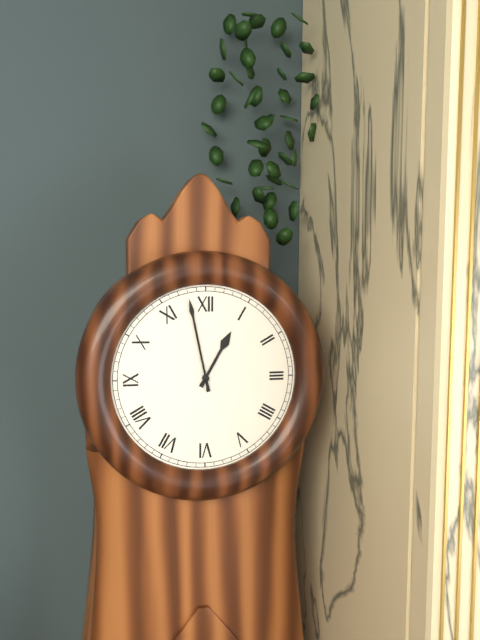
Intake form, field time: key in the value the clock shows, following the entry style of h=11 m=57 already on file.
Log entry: h=12 m=58
